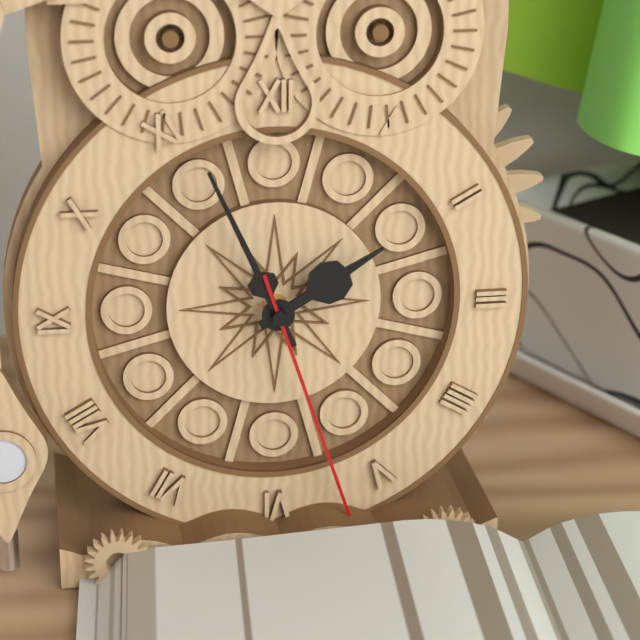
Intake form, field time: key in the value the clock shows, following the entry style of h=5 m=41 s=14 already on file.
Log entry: h=1 m=56 s=27
